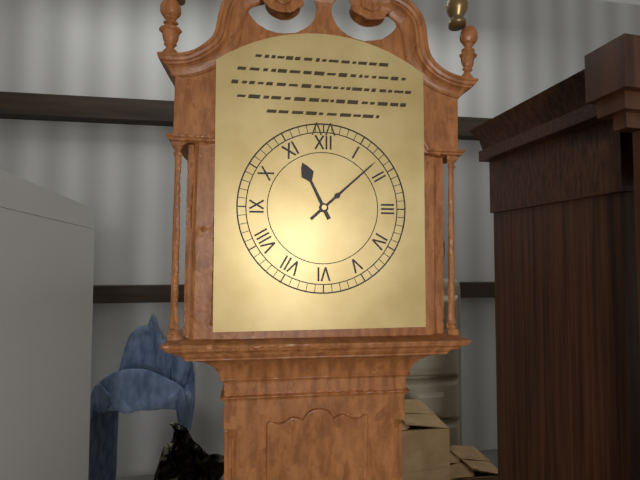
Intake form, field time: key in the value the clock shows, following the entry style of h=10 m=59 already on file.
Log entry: h=11 m=8
